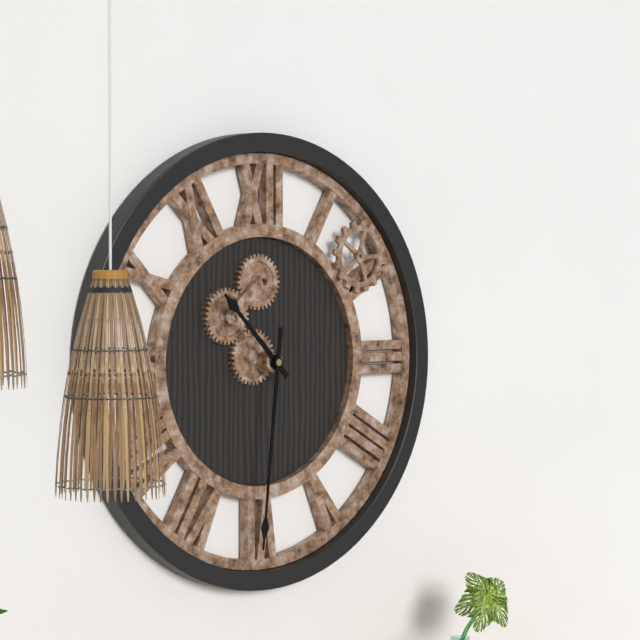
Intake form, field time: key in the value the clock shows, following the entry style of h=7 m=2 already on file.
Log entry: h=10 m=31
